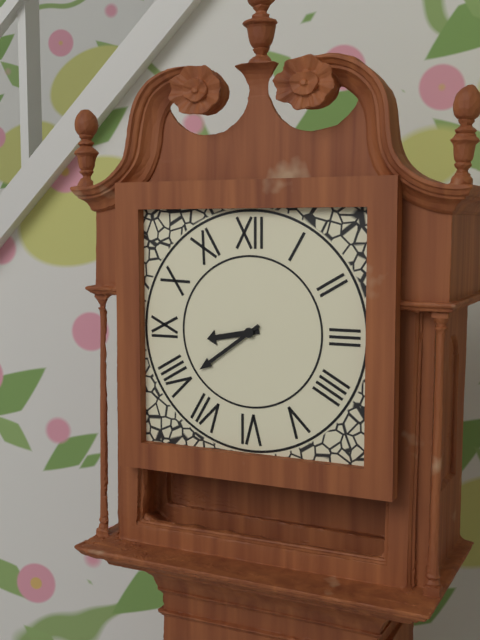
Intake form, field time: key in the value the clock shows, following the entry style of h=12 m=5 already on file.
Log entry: h=8 m=39
